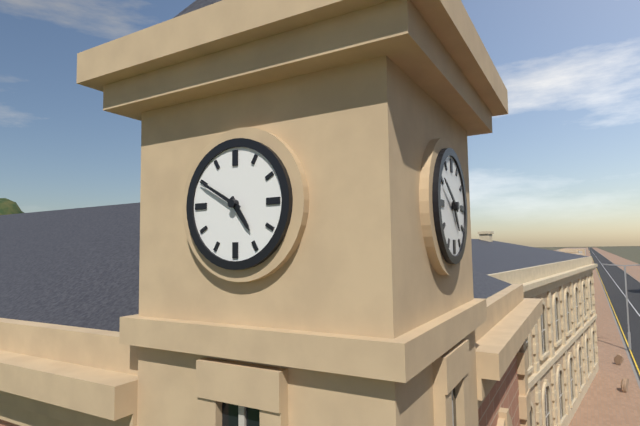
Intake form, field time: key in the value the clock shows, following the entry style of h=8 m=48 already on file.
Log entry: h=4 m=50
